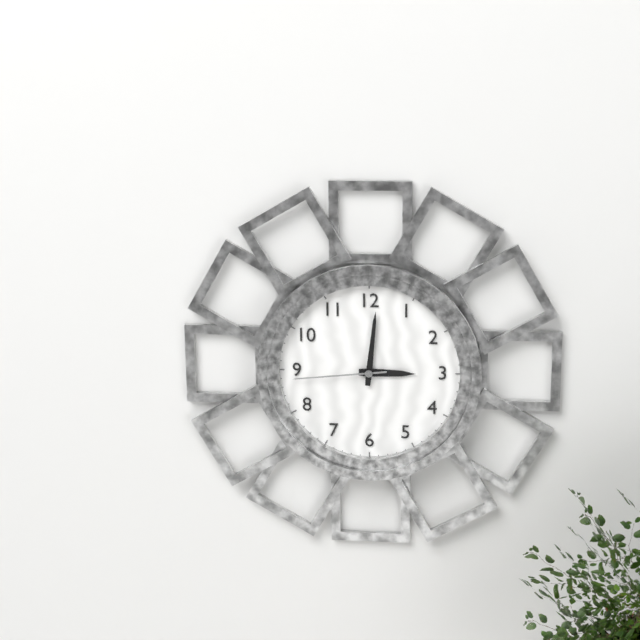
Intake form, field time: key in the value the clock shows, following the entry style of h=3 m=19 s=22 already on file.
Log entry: h=3 m=1 s=44
